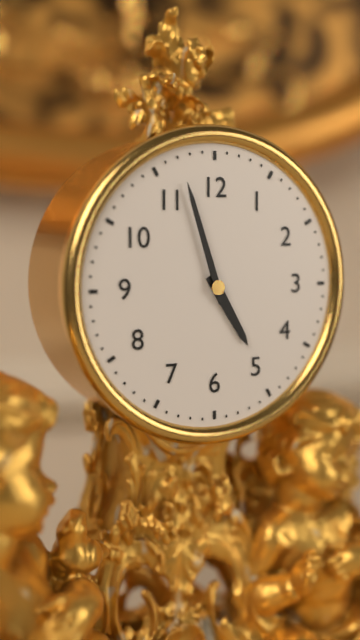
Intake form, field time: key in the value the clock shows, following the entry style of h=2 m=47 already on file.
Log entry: h=4 m=57
